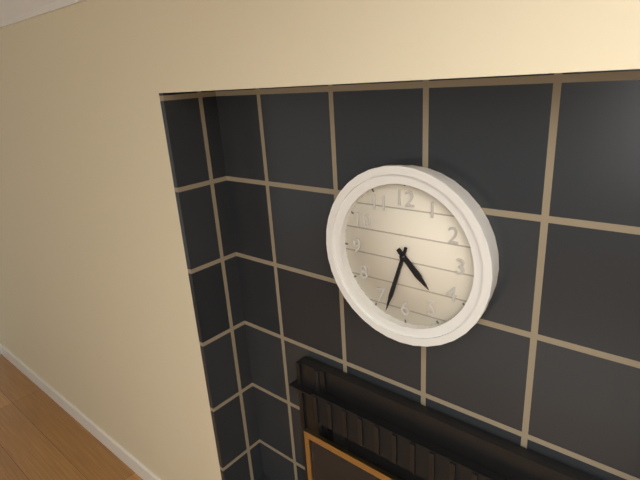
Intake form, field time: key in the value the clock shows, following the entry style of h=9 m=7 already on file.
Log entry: h=4 m=33
